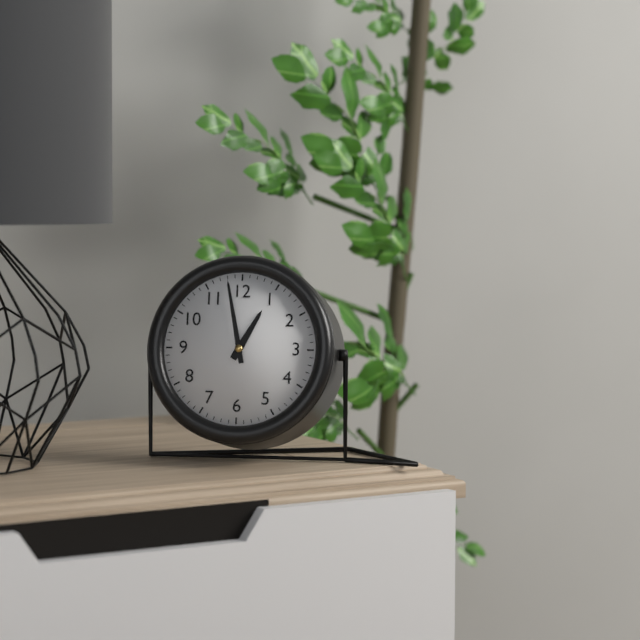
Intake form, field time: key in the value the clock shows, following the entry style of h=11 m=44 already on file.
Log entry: h=12 m=58
